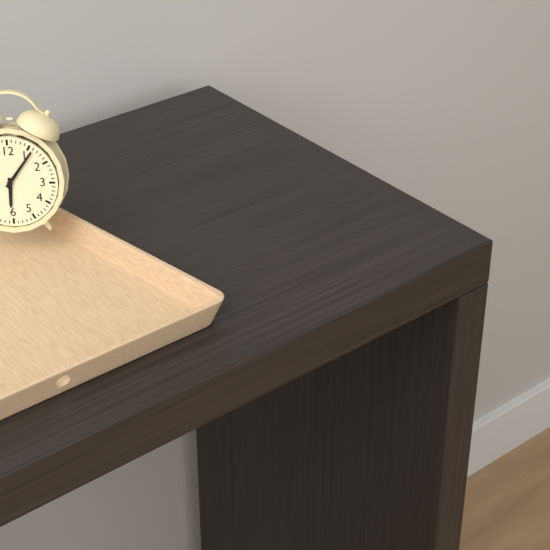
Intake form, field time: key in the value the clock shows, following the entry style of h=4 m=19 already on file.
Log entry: h=6 m=6
